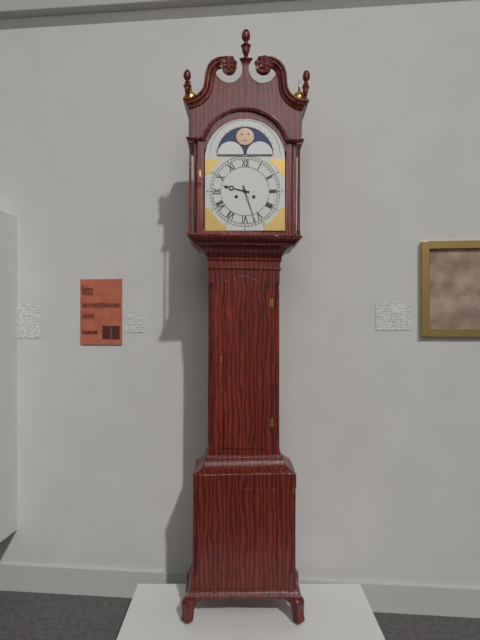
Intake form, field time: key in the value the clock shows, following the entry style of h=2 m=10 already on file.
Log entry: h=9 m=27
